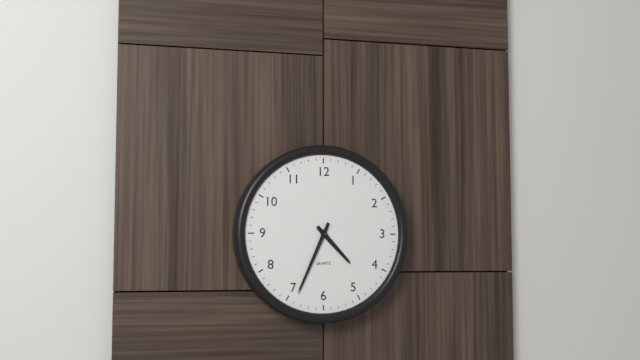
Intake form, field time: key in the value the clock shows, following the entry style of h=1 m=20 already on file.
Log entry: h=4 m=34
